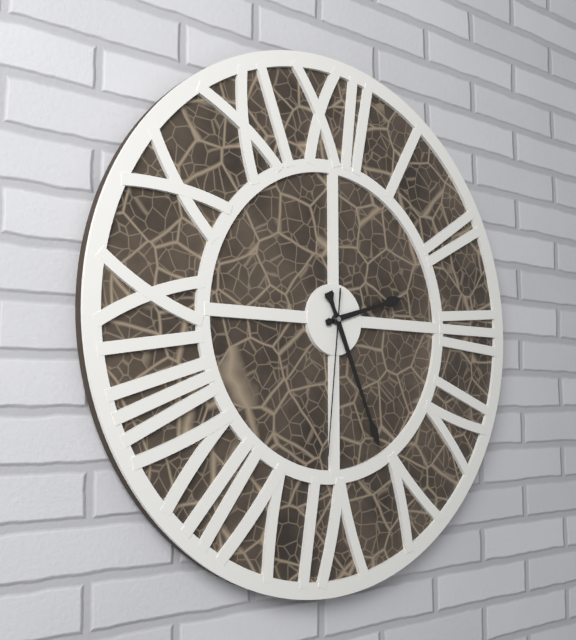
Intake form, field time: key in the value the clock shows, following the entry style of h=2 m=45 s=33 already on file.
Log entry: h=2 m=26 s=31
